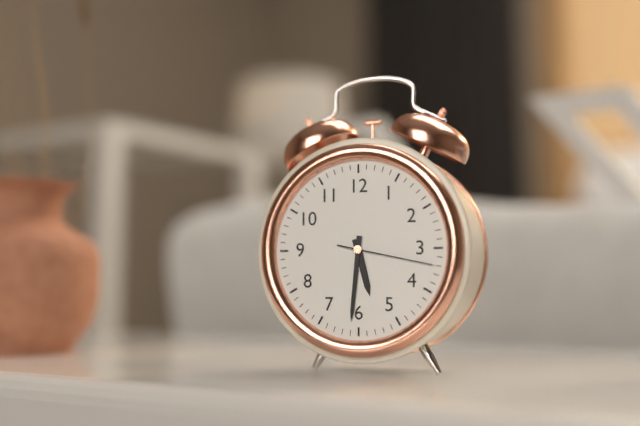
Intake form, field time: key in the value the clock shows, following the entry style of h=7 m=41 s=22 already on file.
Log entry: h=5 m=31 s=17
